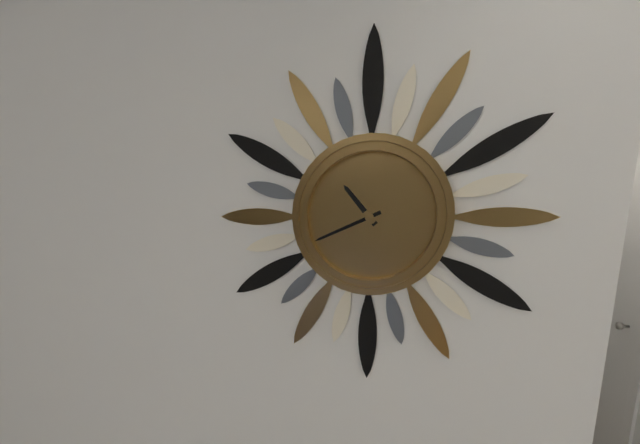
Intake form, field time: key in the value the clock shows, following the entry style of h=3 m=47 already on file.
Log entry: h=10 m=41
